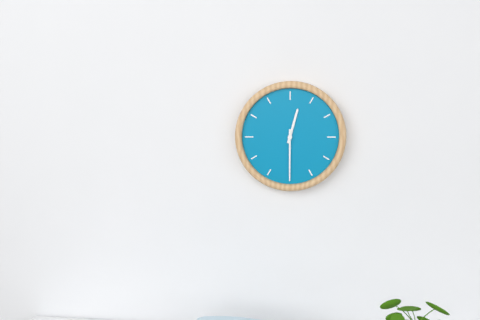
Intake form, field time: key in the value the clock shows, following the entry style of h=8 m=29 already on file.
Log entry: h=12 m=30
